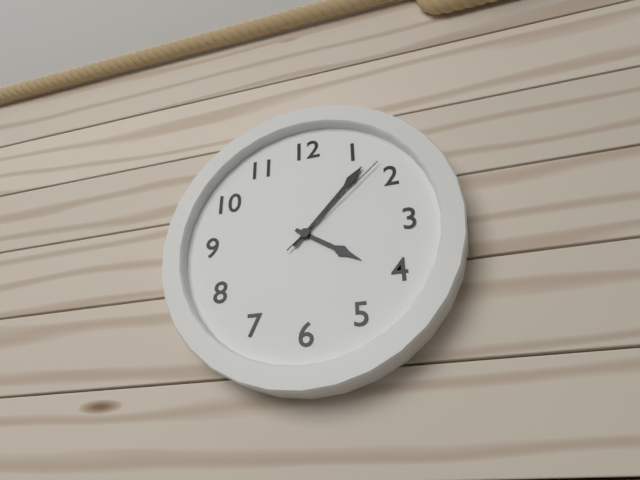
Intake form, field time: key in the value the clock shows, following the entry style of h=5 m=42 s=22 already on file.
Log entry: h=4 m=7 s=8
